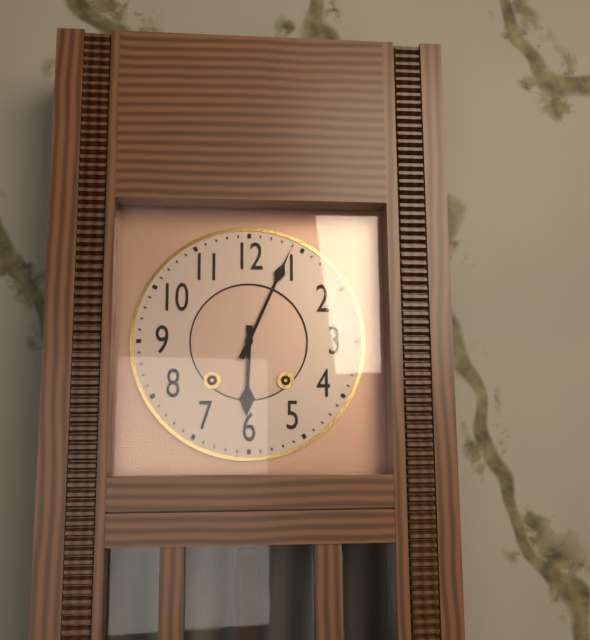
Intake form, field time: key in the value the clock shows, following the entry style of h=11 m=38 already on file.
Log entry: h=6 m=4
